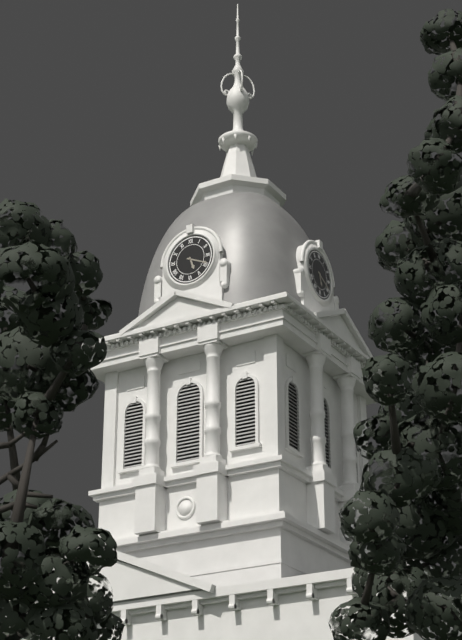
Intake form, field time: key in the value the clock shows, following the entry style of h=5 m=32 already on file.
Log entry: h=5 m=19
